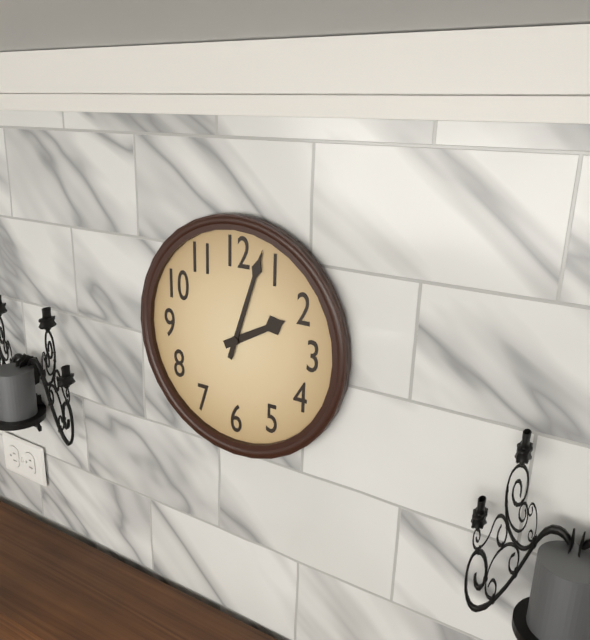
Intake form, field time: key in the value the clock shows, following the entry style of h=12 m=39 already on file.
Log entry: h=2 m=3
